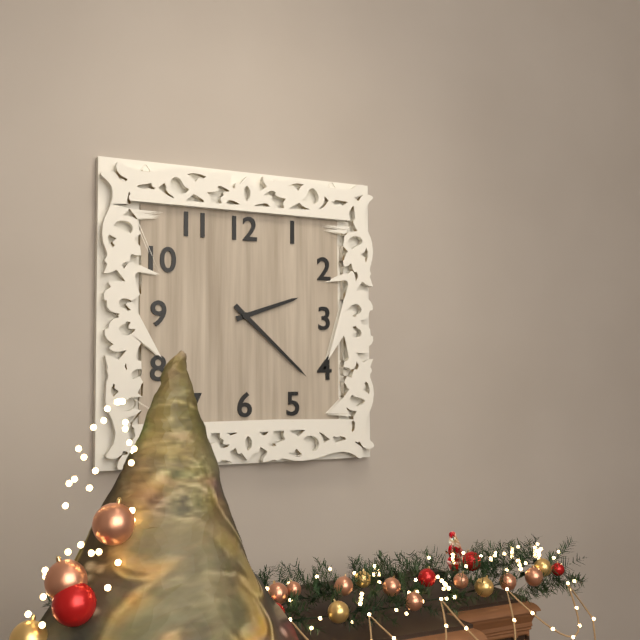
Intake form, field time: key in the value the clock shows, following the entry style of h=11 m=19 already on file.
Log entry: h=2 m=22
